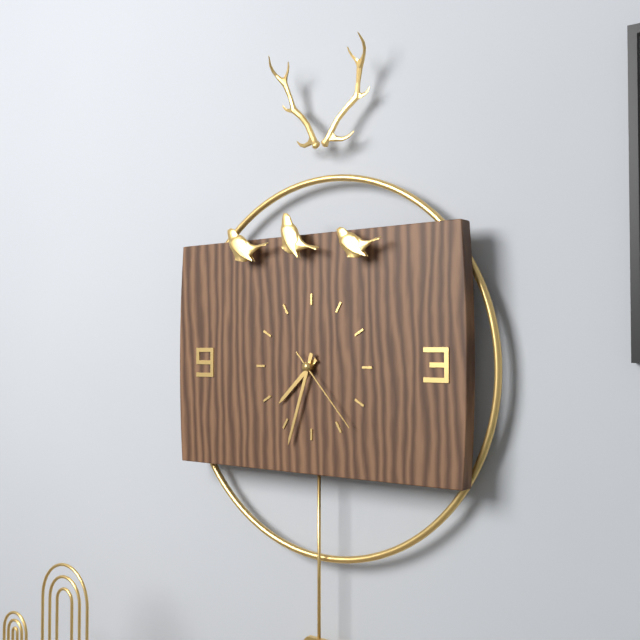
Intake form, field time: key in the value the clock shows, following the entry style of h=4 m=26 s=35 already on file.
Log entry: h=7 m=33 s=23
